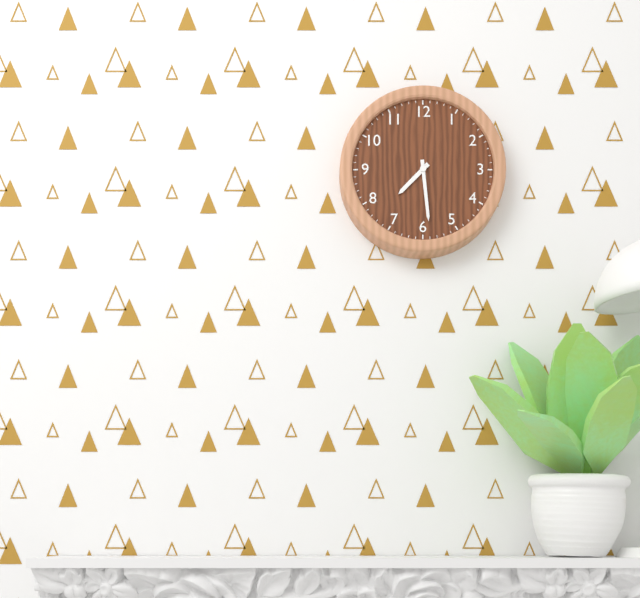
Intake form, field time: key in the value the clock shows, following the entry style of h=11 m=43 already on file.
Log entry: h=7 m=29
